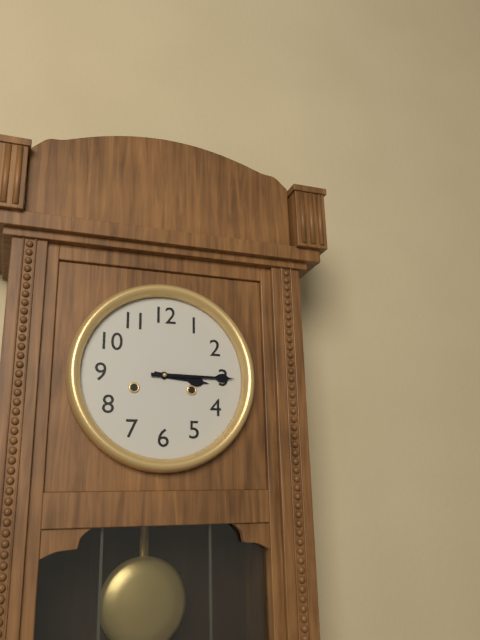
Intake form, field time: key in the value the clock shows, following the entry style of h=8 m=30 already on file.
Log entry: h=3 m=15
